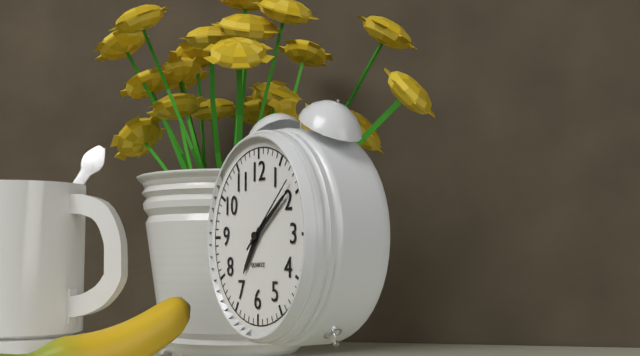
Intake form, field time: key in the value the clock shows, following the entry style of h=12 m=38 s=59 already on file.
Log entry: h=7 m=9 s=8
